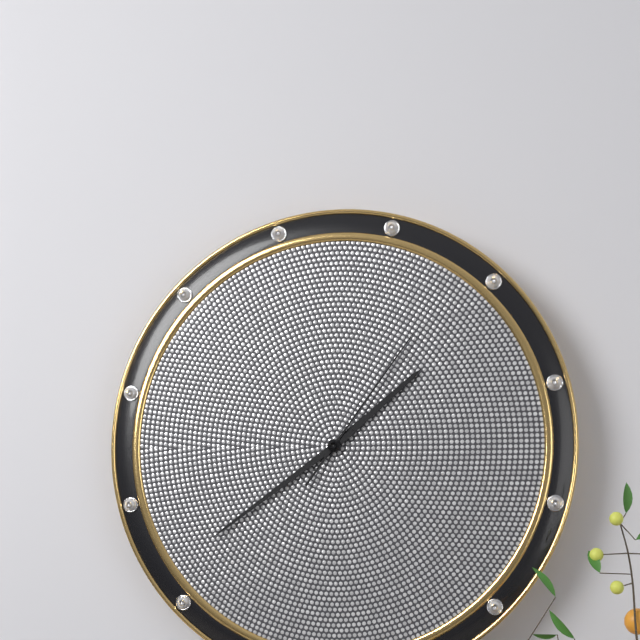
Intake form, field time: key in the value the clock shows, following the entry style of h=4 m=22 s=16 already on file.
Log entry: h=1 m=39 s=6
